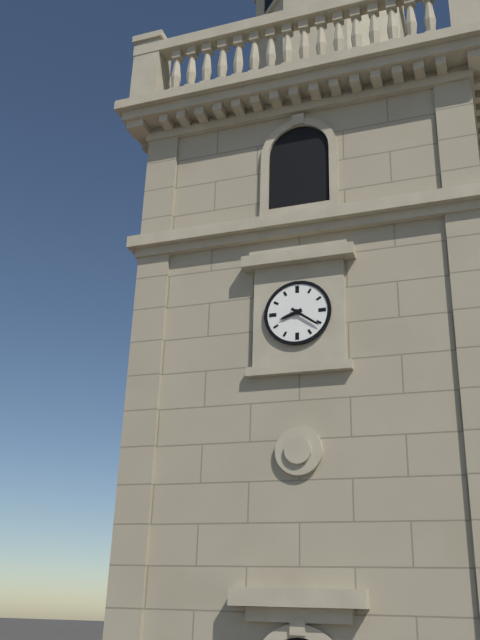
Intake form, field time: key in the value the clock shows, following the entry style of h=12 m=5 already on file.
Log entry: h=8 m=21
